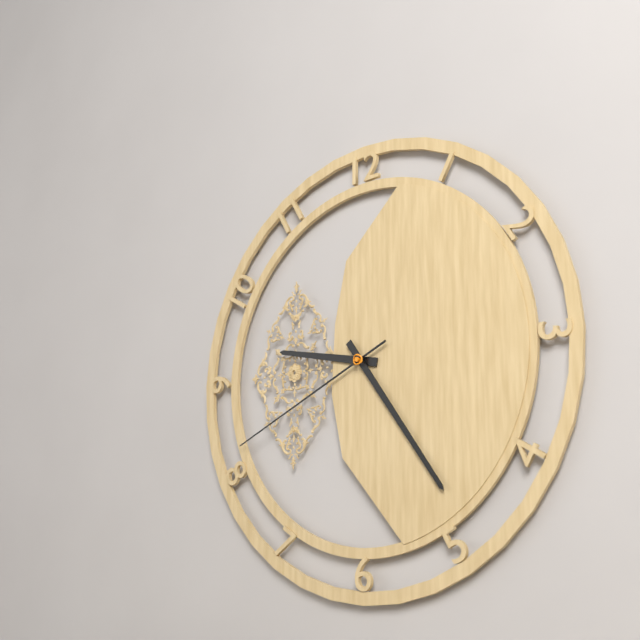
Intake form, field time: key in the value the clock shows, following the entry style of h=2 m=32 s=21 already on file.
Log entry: h=9 m=24 s=41
